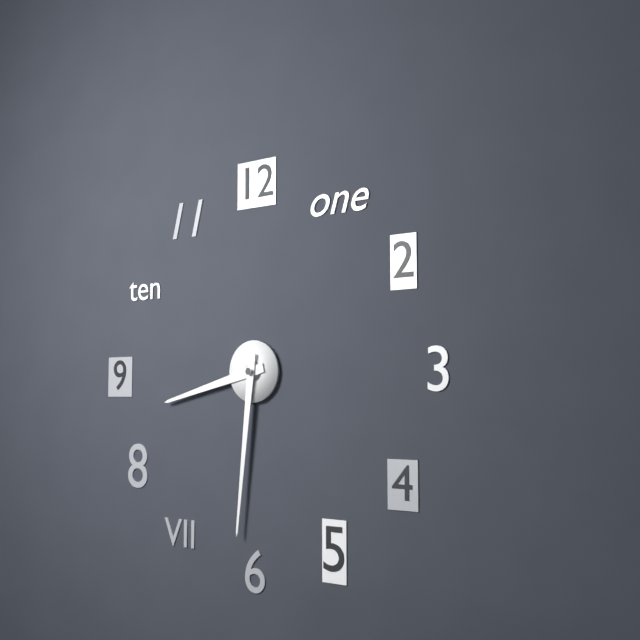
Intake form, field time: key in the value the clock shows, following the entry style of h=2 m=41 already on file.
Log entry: h=8 m=31
